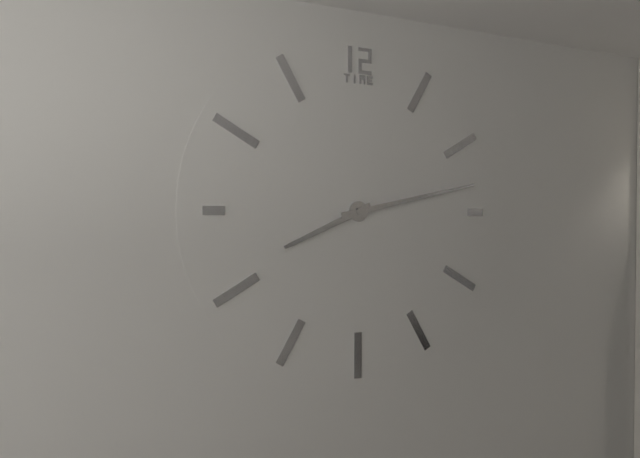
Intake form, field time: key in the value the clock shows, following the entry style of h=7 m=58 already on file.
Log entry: h=8 m=13
